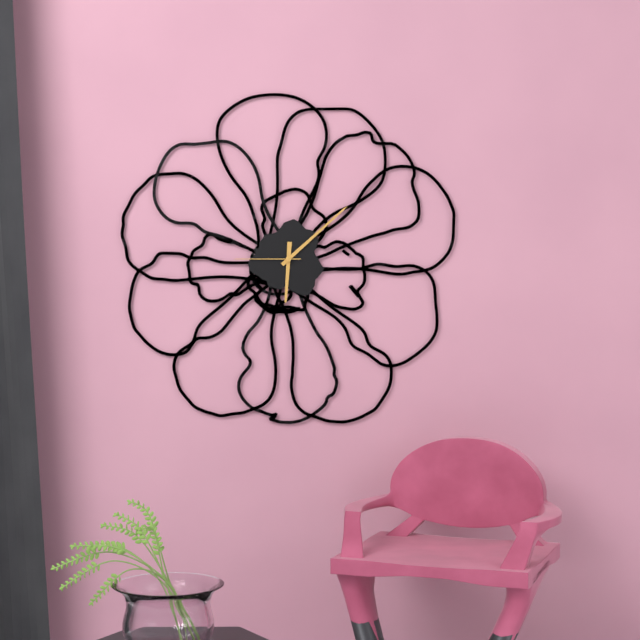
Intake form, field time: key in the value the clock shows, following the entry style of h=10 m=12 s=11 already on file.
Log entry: h=6 m=8 s=45
